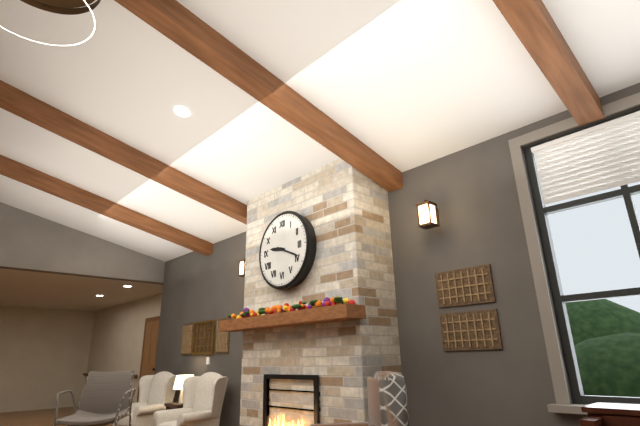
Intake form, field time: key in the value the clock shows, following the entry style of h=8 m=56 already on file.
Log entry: h=9 m=19
